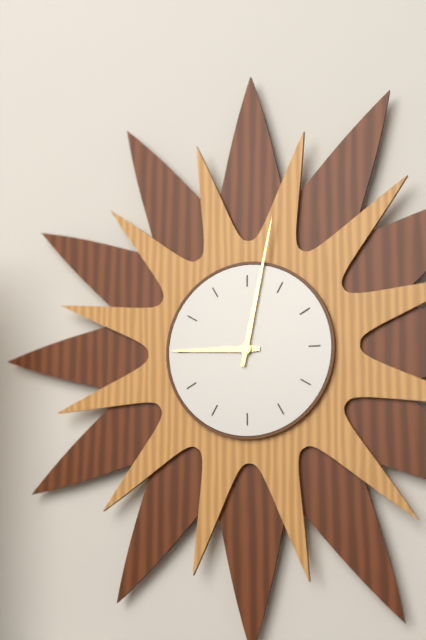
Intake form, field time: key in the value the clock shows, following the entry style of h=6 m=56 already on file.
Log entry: h=9 m=2
